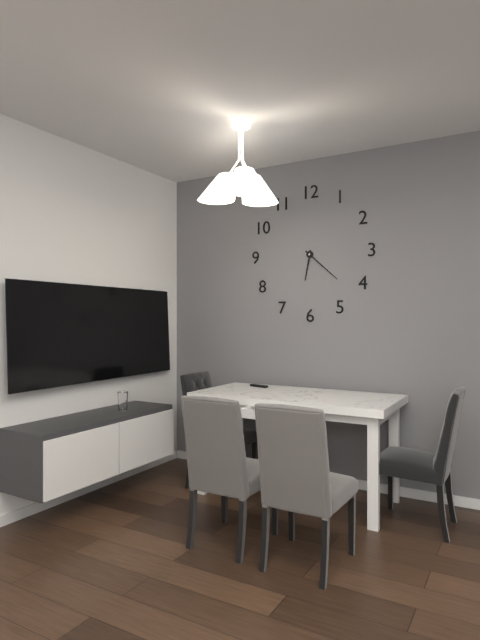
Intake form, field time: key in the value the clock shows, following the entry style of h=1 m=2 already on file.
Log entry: h=6 m=22
